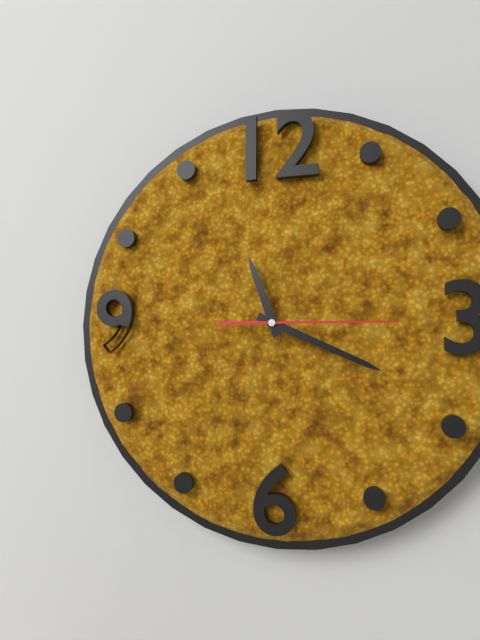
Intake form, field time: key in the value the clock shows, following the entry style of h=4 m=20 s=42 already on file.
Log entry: h=11 m=19 s=15
